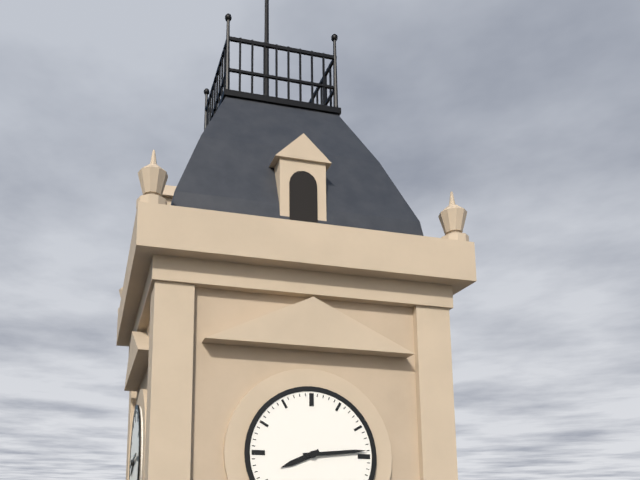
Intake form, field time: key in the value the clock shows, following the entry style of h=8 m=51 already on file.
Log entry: h=8 m=14
